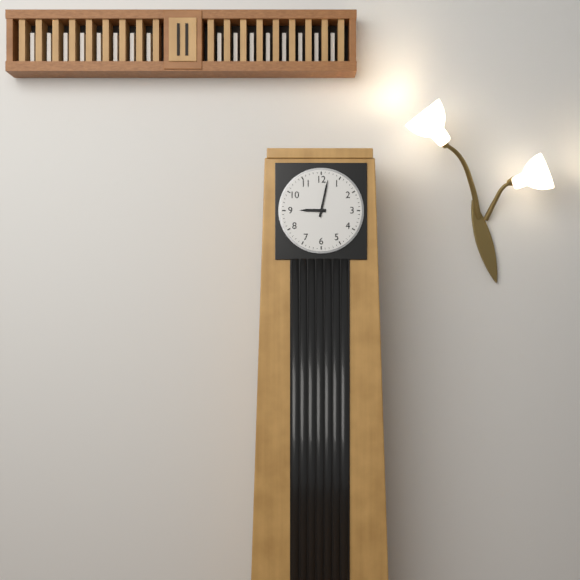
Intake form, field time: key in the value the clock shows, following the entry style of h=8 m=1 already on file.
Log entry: h=9 m=2
